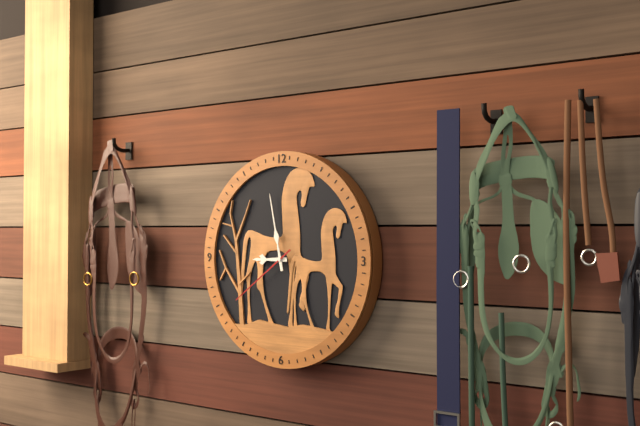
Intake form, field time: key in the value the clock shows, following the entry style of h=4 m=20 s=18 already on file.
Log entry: h=8 m=58 s=39
